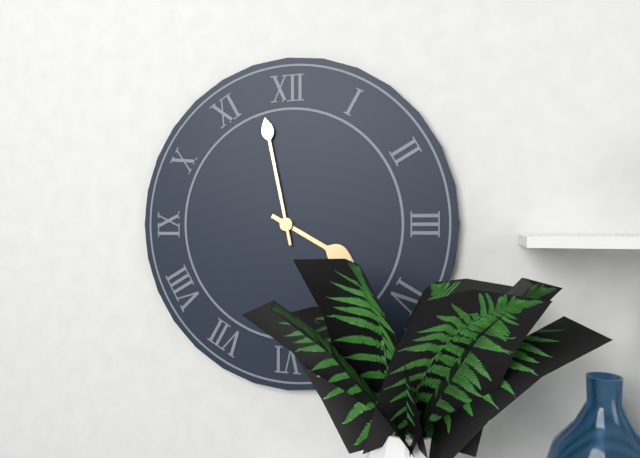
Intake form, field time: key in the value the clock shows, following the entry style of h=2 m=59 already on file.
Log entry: h=3 m=58
